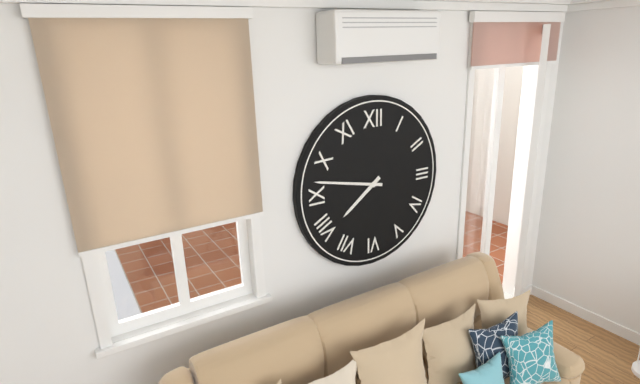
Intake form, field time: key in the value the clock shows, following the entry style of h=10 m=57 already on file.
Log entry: h=7 m=47
